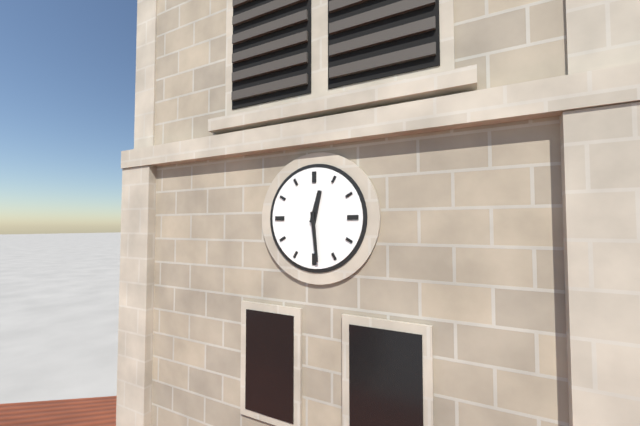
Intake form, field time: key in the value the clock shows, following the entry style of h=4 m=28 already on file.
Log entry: h=12 m=29
